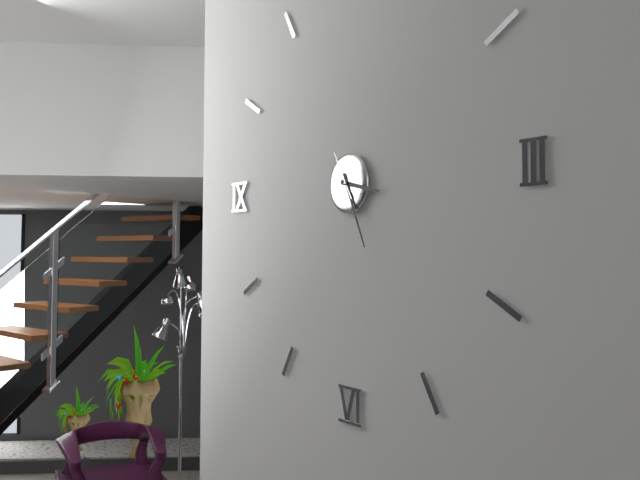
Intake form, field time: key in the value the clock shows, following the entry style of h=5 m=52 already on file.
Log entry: h=3 m=26
